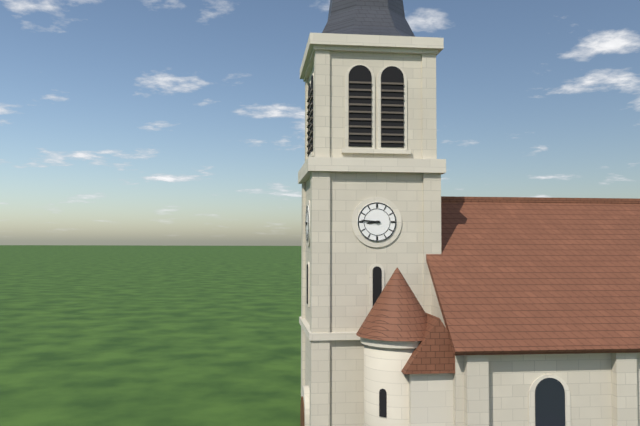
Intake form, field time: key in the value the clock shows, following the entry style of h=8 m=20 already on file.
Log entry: h=8 m=46
